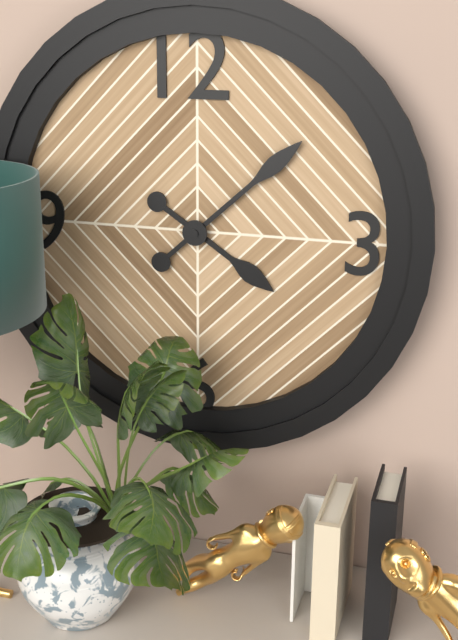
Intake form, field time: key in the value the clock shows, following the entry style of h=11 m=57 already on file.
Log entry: h=4 m=8
